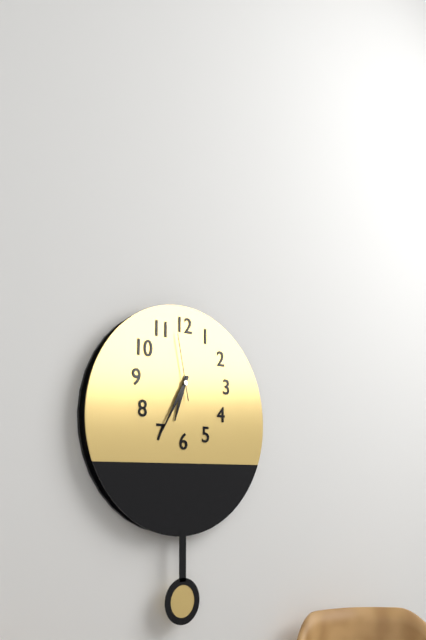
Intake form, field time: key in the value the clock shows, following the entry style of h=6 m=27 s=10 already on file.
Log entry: h=6 m=35 s=58
